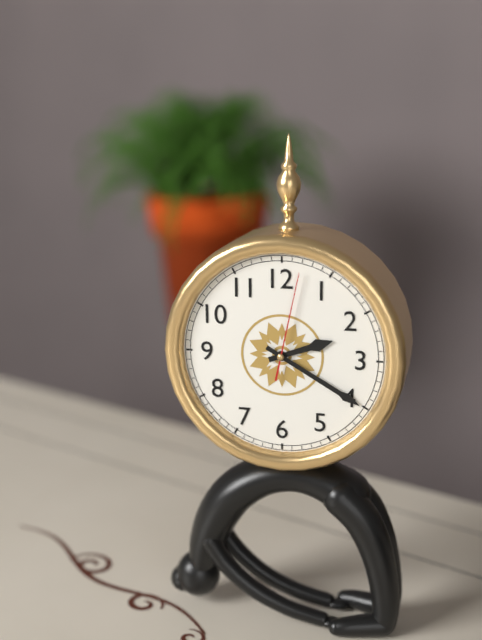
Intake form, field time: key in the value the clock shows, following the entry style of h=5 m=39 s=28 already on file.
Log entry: h=2 m=20 s=2
